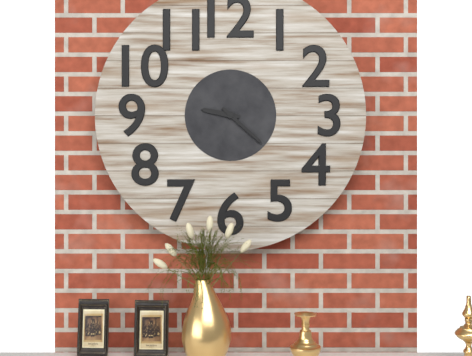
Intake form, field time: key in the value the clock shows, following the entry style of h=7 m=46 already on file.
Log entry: h=9 m=22
